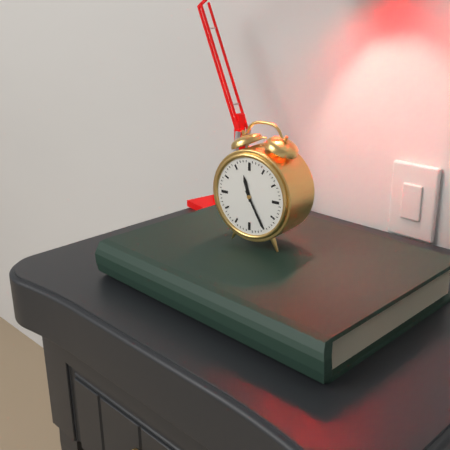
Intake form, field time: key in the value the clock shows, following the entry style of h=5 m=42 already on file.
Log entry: h=11 m=25
